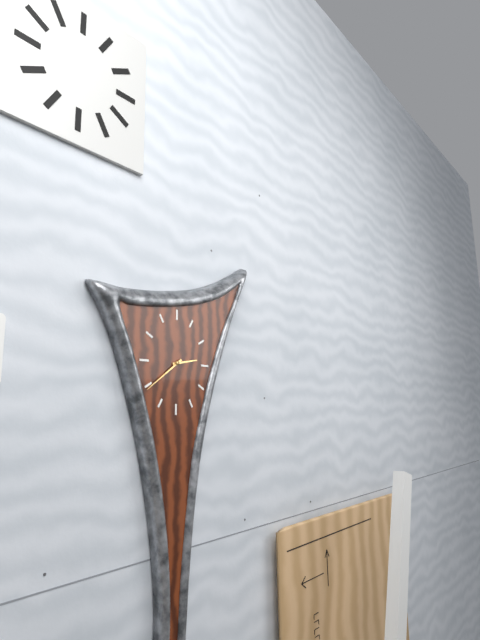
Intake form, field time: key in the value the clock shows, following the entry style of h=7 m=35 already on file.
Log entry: h=2 m=39
